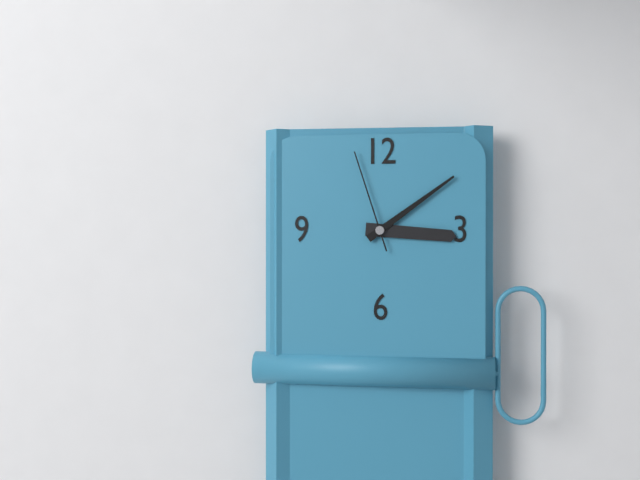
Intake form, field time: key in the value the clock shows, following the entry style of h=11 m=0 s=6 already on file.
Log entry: h=3 m=9 s=57
